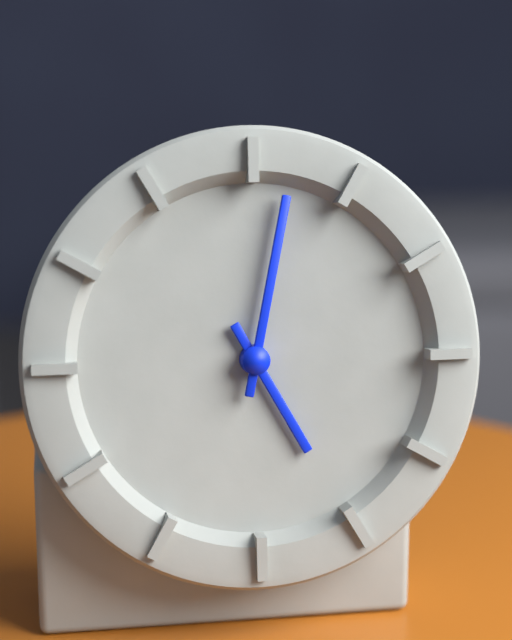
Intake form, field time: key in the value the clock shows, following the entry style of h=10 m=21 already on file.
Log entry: h=5 m=2
